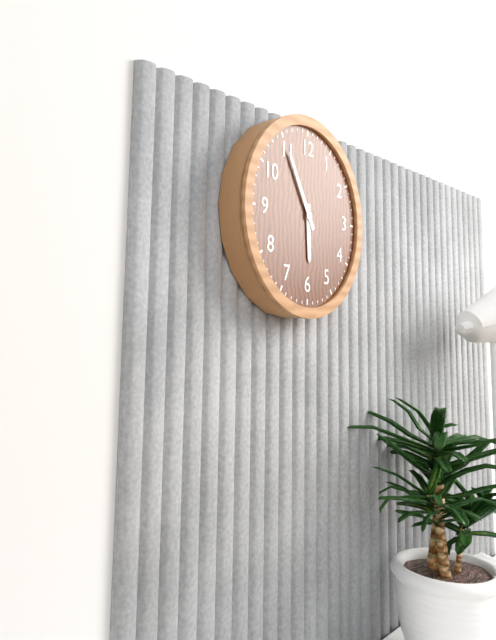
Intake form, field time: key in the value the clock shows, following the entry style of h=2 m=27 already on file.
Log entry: h=5 m=55
